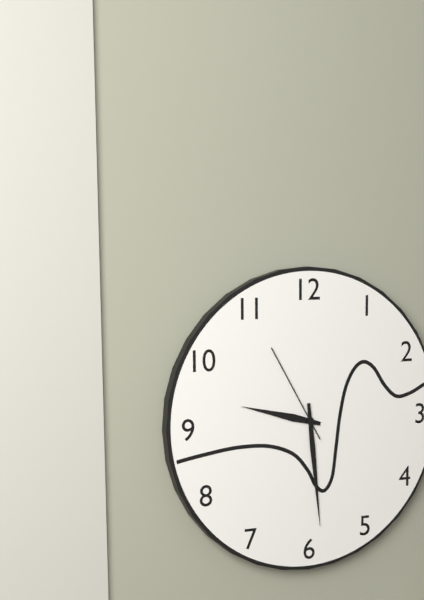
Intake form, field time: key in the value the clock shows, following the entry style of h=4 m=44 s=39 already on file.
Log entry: h=9 m=29 s=55
